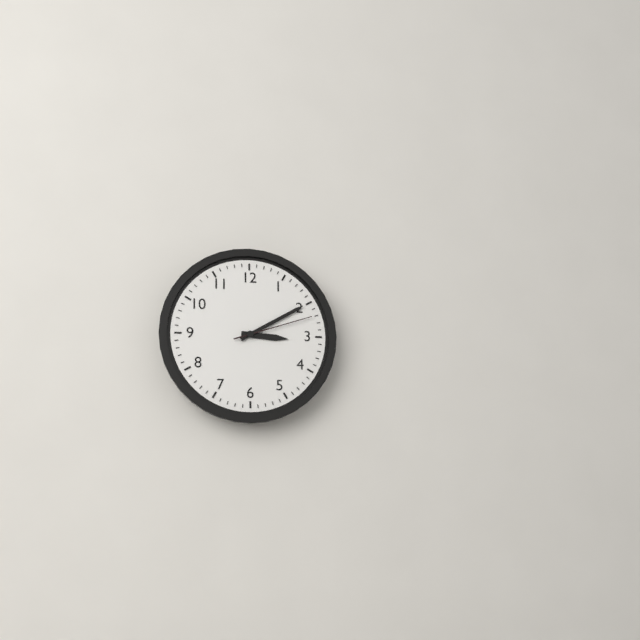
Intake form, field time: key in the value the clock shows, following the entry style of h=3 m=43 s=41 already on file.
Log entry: h=3 m=10 s=12
